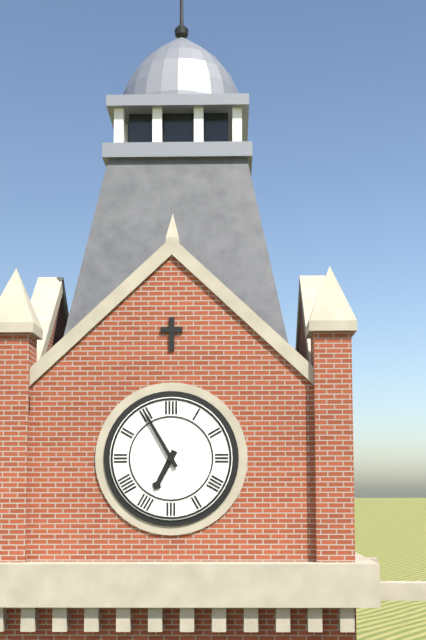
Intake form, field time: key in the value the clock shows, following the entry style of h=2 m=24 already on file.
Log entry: h=6 m=55
